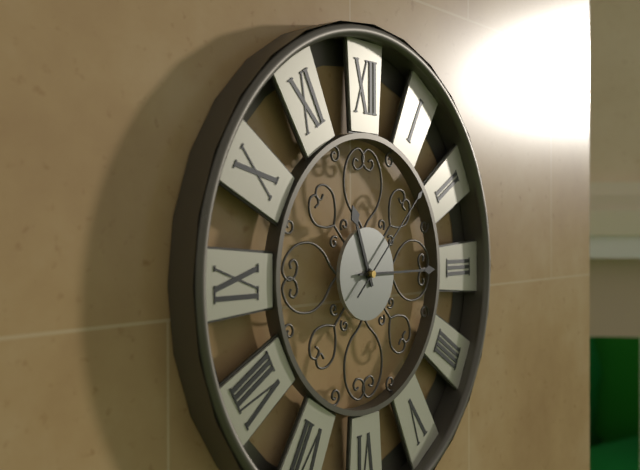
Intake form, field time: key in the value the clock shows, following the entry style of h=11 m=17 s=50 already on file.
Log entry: h=11 m=15 s=8
